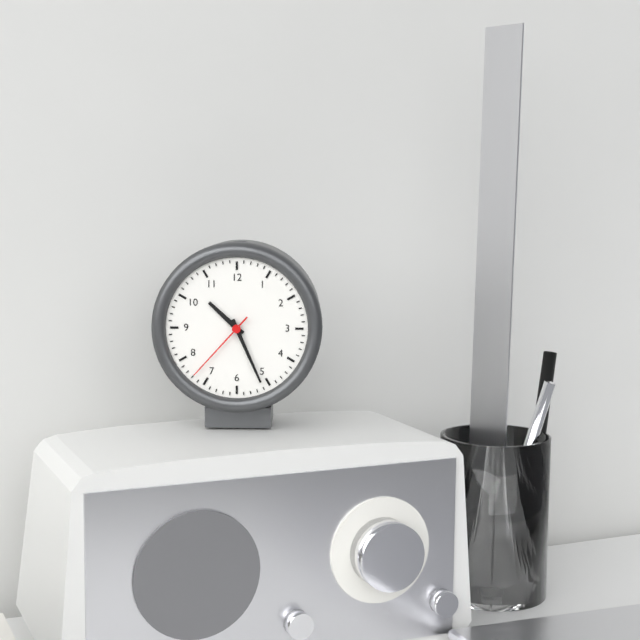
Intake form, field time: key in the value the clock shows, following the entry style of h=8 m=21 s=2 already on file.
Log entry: h=10 m=26 s=37
